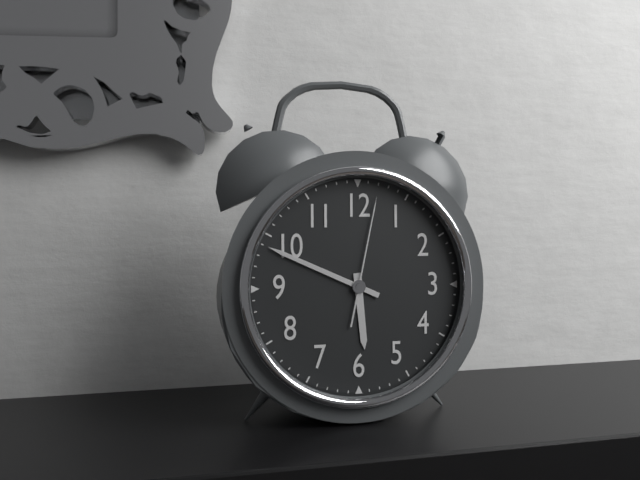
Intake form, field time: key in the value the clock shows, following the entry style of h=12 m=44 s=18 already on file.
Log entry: h=5 m=49 s=2
